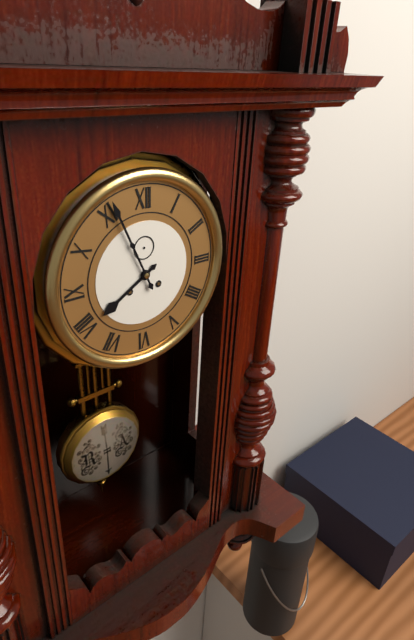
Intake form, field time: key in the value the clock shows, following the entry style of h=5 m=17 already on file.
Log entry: h=7 m=56
